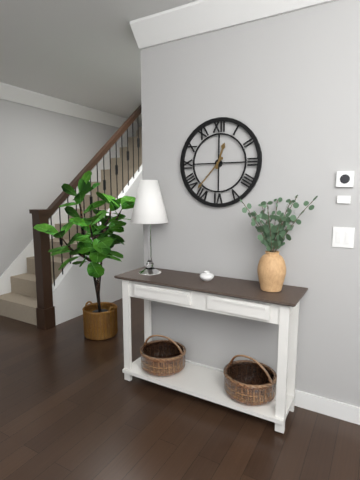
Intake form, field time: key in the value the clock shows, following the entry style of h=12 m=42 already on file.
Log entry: h=12 m=37
